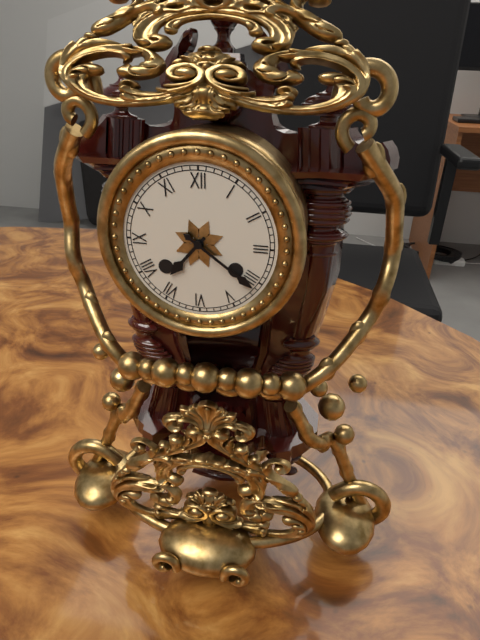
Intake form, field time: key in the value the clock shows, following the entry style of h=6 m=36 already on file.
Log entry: h=7 m=21
